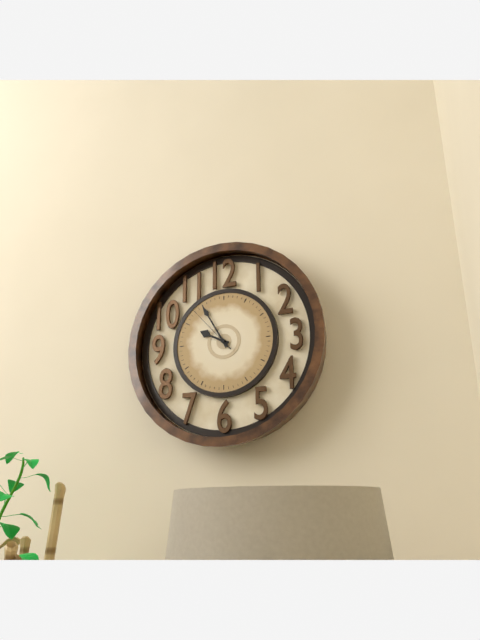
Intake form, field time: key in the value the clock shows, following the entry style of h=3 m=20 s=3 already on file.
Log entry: h=9 m=55 s=53
